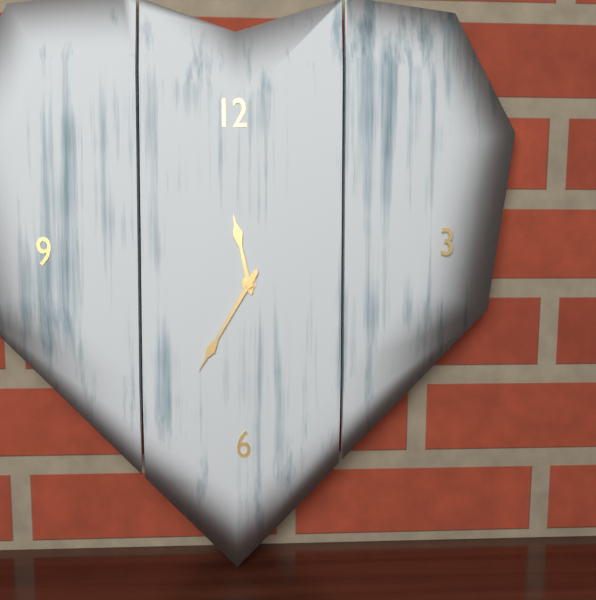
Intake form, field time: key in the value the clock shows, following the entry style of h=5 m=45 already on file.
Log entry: h=11 m=35
